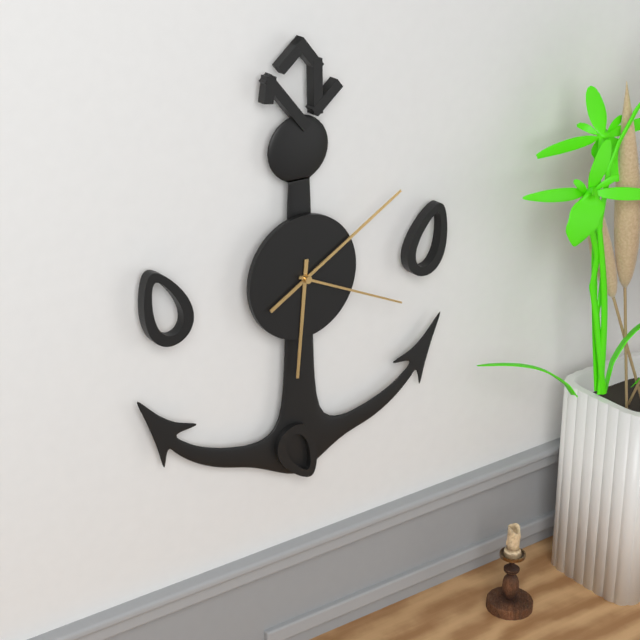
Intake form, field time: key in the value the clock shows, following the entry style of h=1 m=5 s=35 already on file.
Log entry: h=6 m=10 s=19
